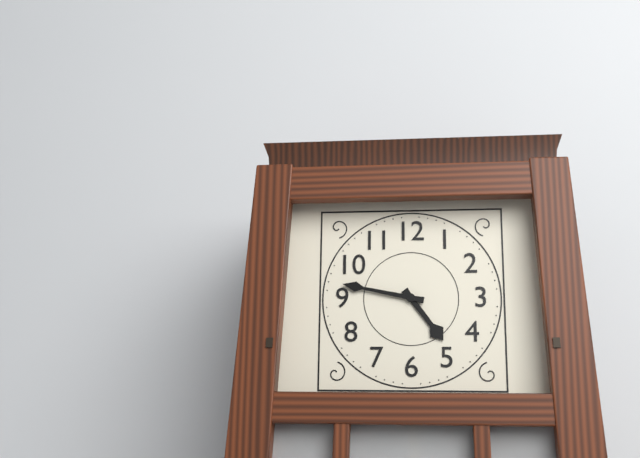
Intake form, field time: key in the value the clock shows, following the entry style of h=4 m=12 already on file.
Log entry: h=4 m=47
